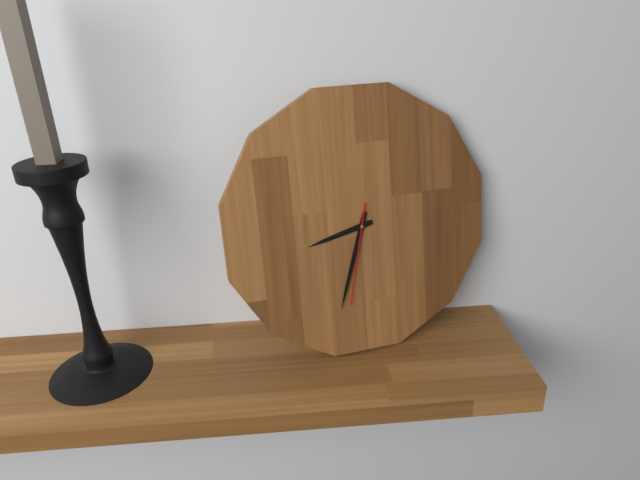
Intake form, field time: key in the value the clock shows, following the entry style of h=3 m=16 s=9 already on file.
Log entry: h=8 m=33 s=32
